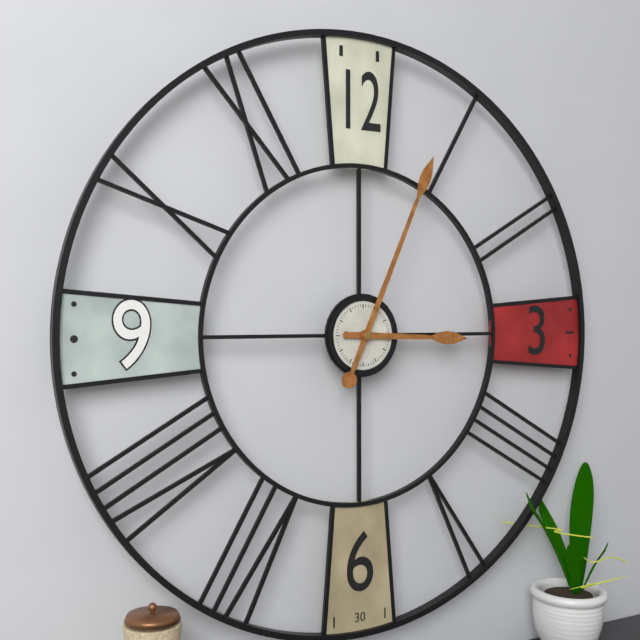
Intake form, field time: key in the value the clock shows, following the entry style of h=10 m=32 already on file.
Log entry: h=3 m=4
